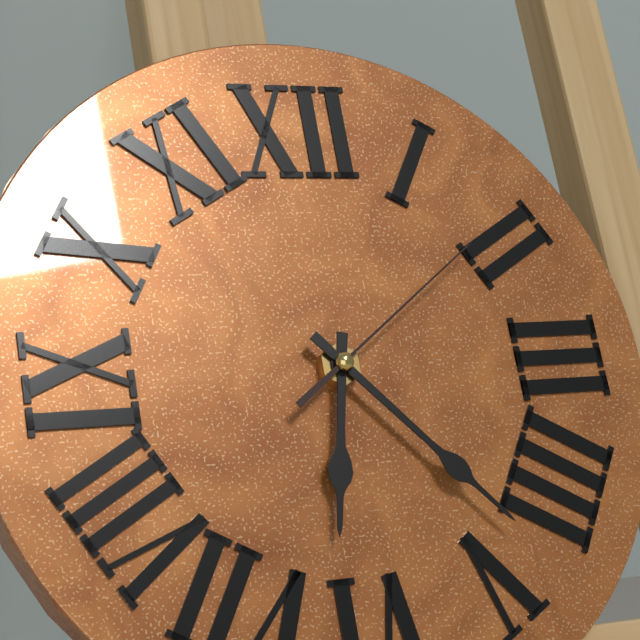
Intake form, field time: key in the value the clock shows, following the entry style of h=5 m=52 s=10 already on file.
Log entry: h=6 m=23 s=9
